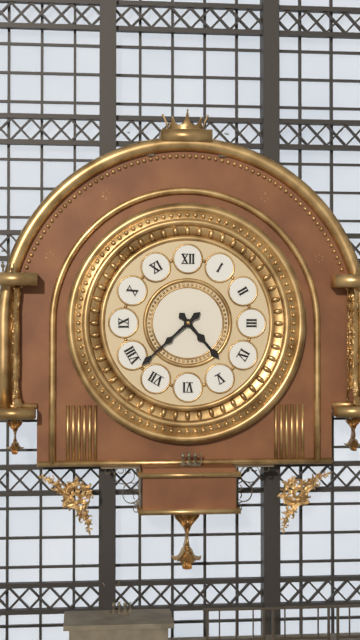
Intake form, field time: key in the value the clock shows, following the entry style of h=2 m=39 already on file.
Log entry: h=4 m=38
